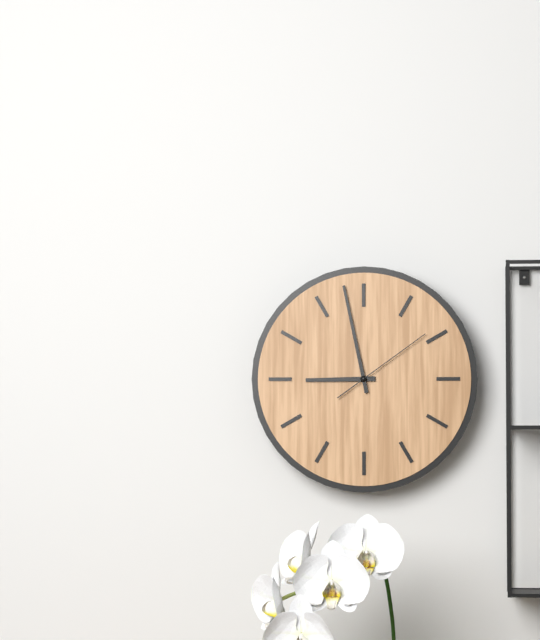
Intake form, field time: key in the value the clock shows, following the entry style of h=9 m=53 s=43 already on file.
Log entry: h=8 m=58 s=9
